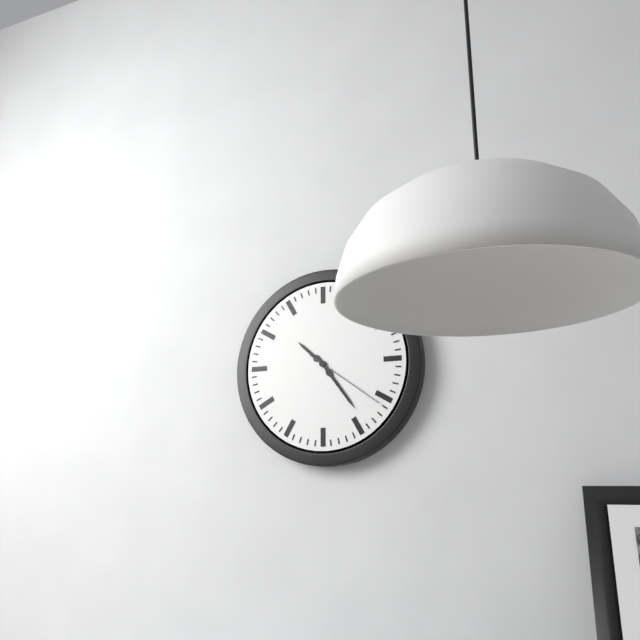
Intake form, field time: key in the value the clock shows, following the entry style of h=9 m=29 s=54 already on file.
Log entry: h=10 m=24 s=21
